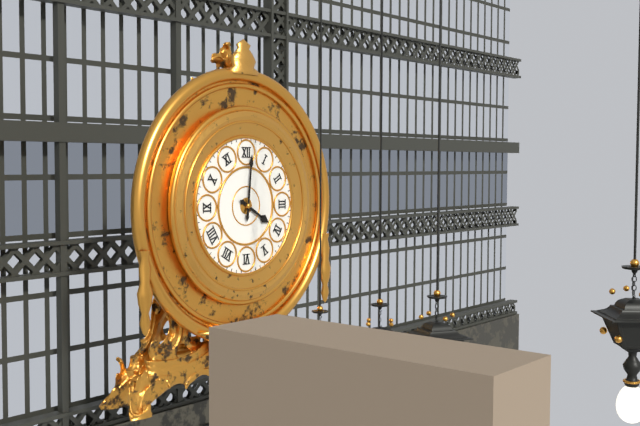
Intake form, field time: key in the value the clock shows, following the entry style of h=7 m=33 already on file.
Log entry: h=4 m=1
